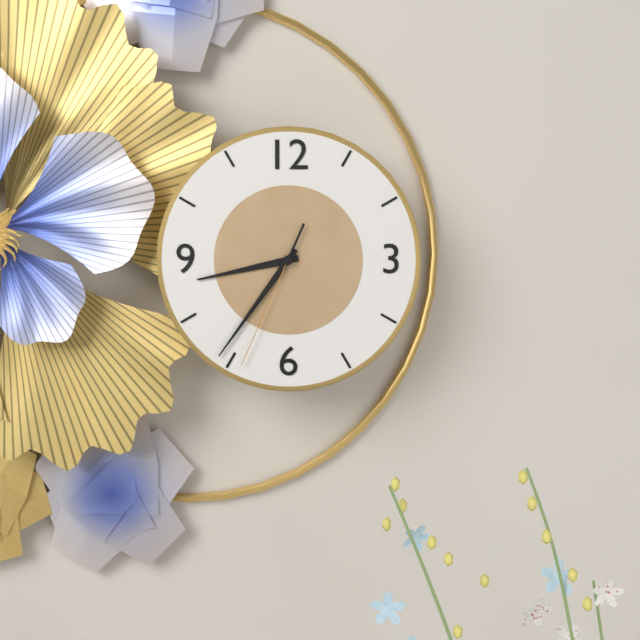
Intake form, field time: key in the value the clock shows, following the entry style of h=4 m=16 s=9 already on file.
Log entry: h=8 m=36 s=34
